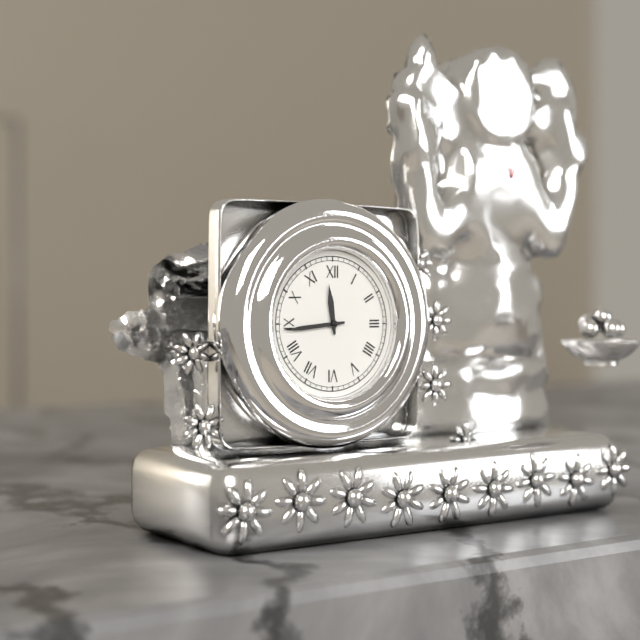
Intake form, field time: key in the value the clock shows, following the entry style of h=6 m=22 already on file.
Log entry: h=11 m=44
